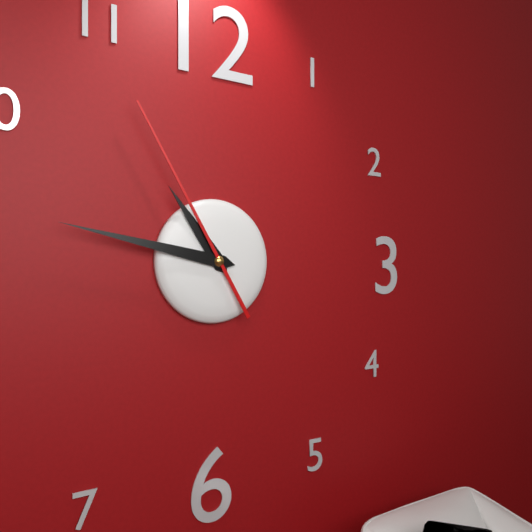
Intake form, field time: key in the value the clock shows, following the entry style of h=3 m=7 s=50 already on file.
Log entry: h=10 m=47 s=55
